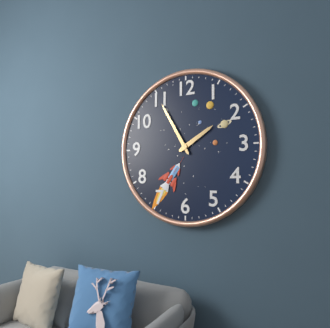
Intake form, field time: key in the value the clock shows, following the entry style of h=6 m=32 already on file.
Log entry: h=1 m=55
